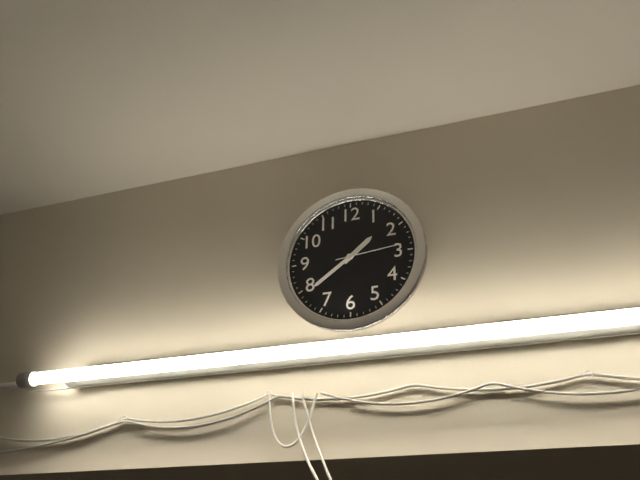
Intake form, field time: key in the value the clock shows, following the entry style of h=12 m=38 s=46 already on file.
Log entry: h=1 m=39 s=14
